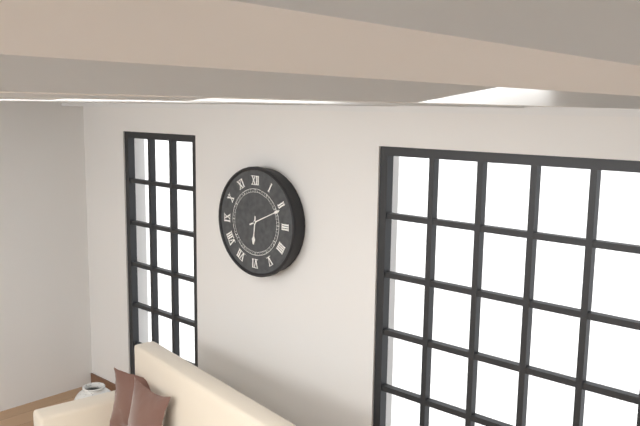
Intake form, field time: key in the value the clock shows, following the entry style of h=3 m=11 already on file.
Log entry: h=6 m=11
